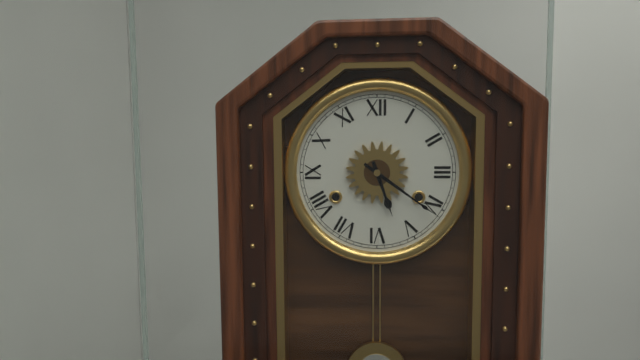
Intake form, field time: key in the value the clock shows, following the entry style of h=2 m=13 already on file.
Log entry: h=5 m=21
